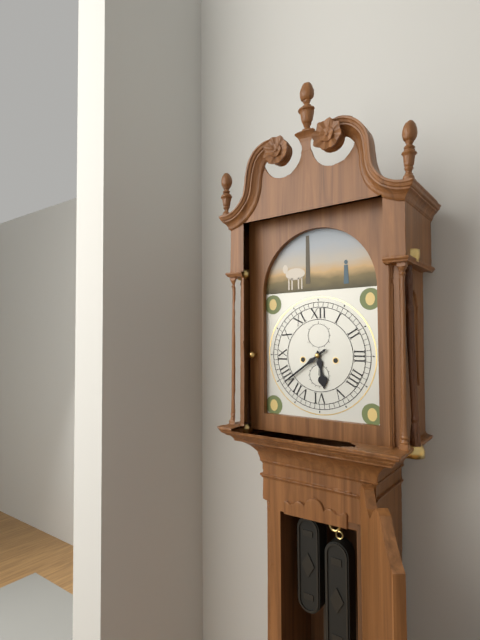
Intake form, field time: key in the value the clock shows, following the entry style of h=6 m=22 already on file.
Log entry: h=5 m=39
